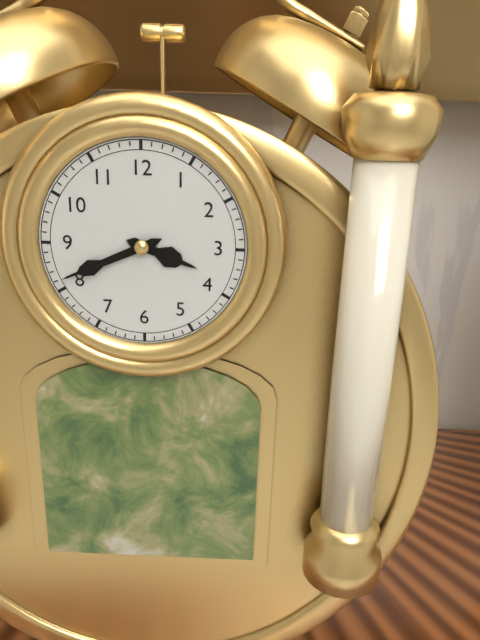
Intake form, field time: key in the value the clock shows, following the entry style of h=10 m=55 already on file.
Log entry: h=3 m=41
